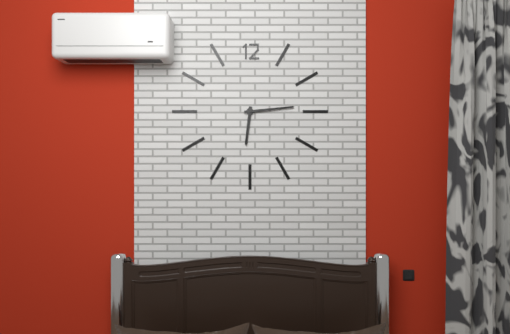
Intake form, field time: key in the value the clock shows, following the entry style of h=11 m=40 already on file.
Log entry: h=6 m=14
